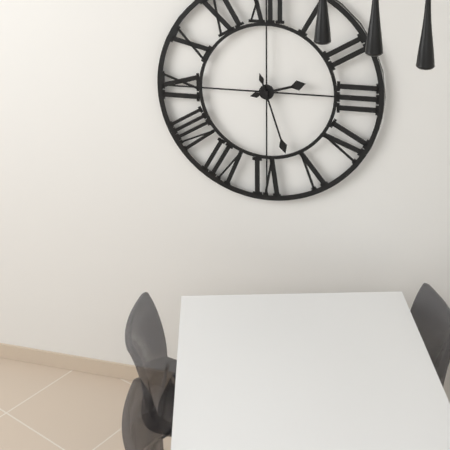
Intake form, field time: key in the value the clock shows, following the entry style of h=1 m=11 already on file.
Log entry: h=2 m=27
